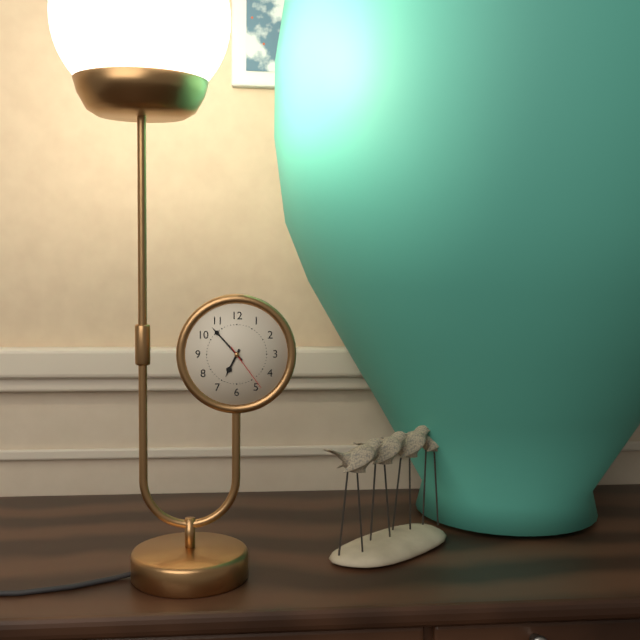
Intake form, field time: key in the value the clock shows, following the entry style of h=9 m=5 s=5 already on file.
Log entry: h=6 m=53 s=24
